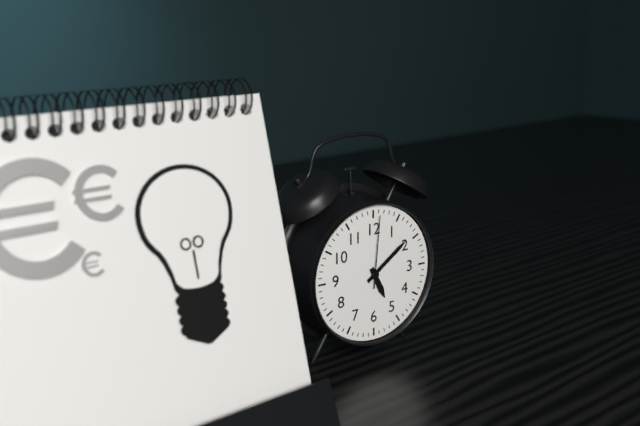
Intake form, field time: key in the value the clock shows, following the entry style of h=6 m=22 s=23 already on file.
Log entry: h=5 m=9 s=1
